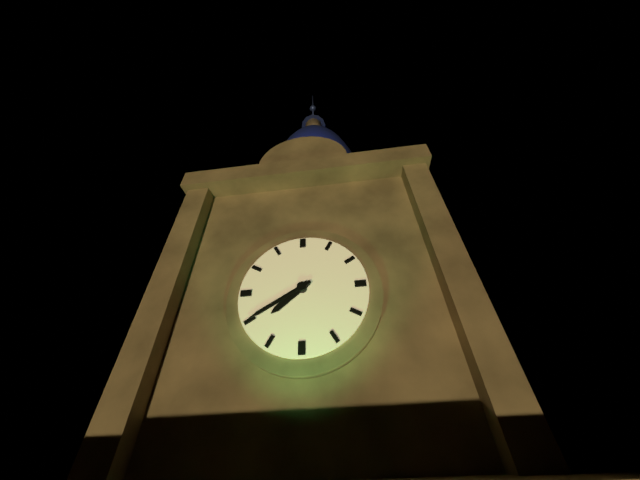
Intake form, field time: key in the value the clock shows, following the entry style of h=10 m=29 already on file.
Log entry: h=7 m=40
